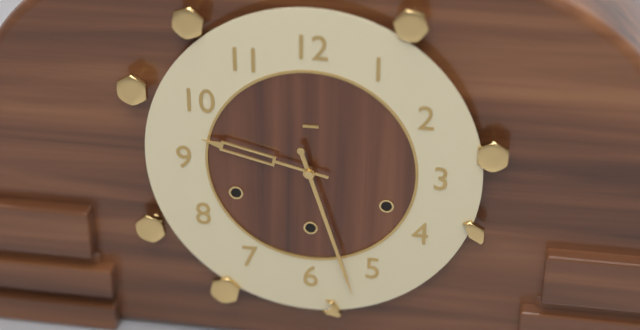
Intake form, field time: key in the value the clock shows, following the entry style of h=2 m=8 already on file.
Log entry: h=9 m=27
